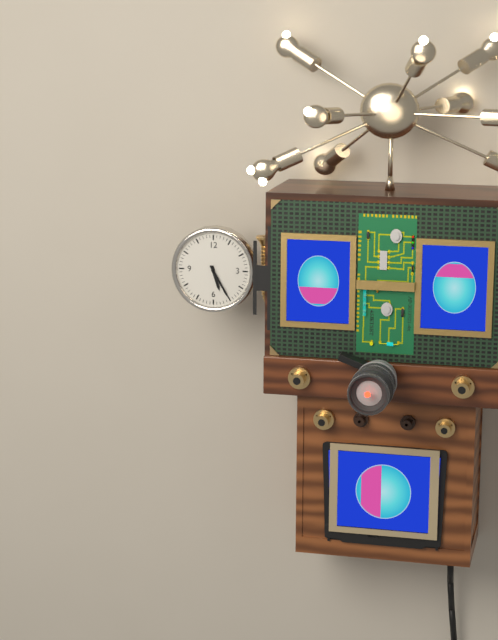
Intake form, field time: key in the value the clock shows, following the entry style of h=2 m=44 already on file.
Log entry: h=5 m=25
